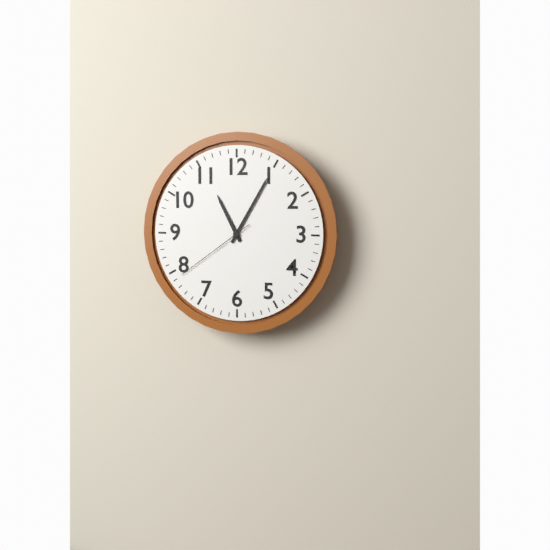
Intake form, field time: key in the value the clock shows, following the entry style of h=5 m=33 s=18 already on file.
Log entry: h=11 m=5 s=39
